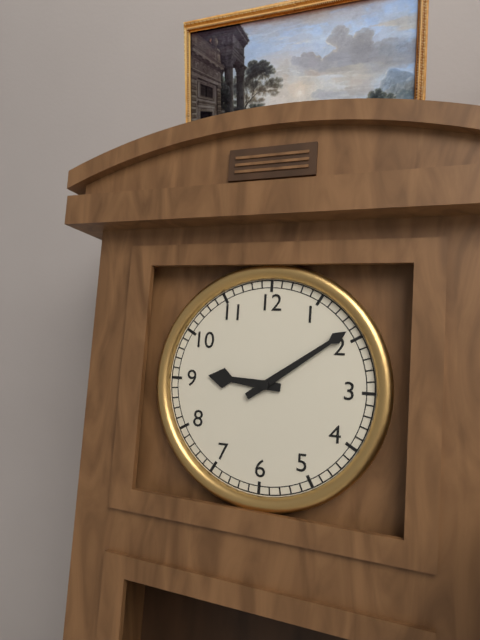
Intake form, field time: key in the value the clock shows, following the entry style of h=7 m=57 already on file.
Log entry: h=9 m=9
